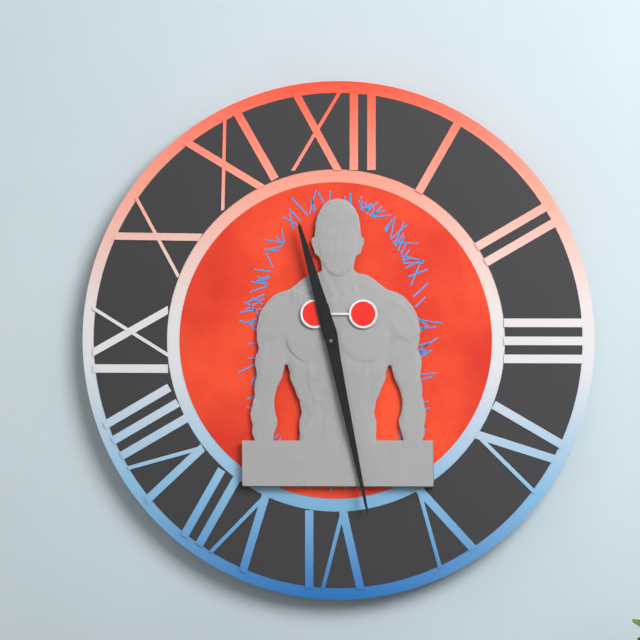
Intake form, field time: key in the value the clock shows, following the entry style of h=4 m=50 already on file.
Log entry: h=11 m=28
